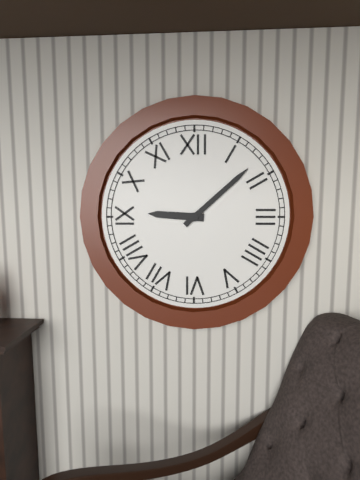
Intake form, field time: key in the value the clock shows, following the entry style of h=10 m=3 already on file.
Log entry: h=9 m=8
